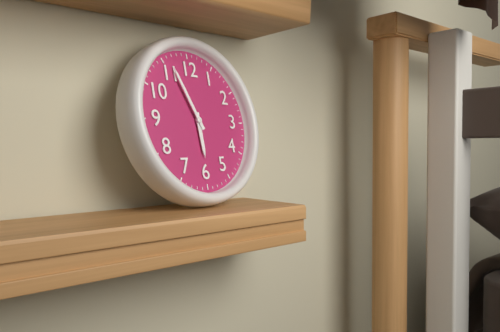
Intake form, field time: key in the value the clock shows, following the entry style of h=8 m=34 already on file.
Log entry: h=5 m=56
